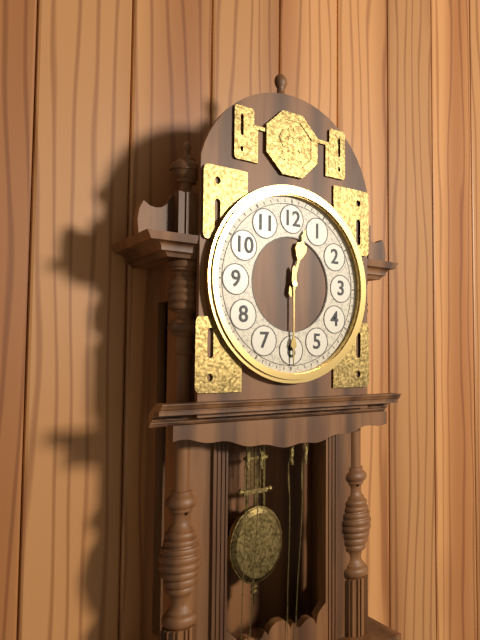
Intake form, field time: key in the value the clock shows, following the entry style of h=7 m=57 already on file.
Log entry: h=12 m=30
